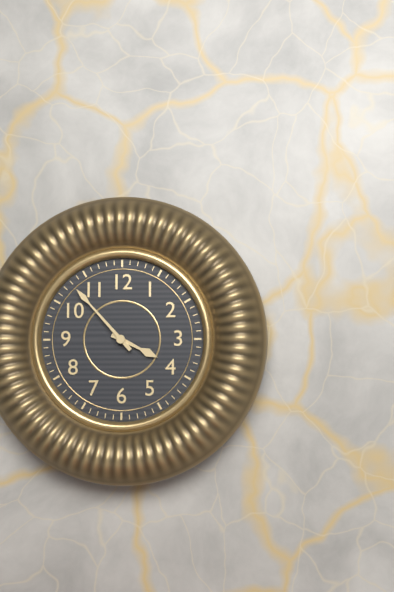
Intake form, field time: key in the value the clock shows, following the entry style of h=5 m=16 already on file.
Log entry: h=3 m=53
